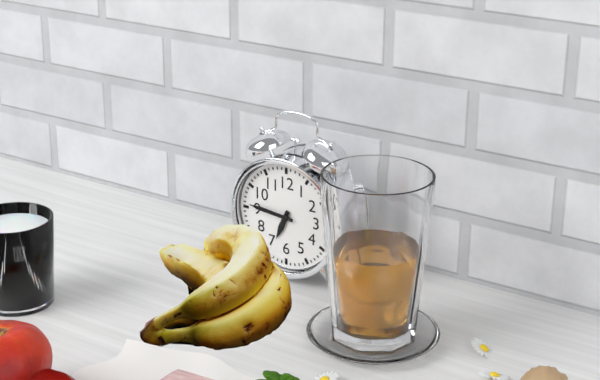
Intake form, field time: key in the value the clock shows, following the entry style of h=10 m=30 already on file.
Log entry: h=6 m=46
